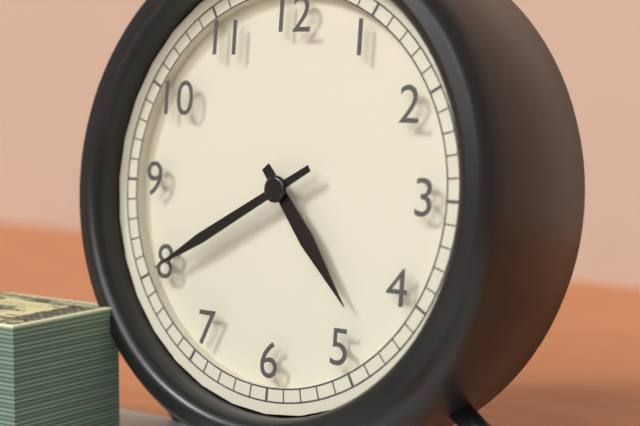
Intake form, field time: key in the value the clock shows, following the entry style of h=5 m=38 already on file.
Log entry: h=4 m=40
